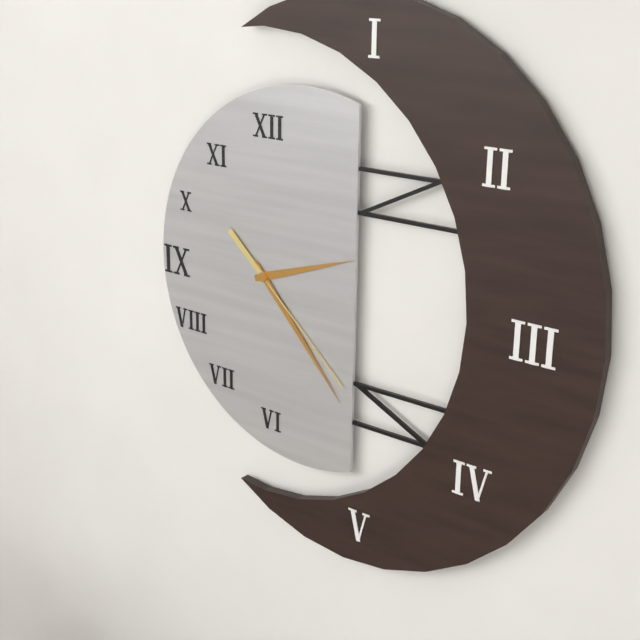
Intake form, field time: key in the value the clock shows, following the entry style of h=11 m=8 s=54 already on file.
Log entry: h=2 m=23 s=22
